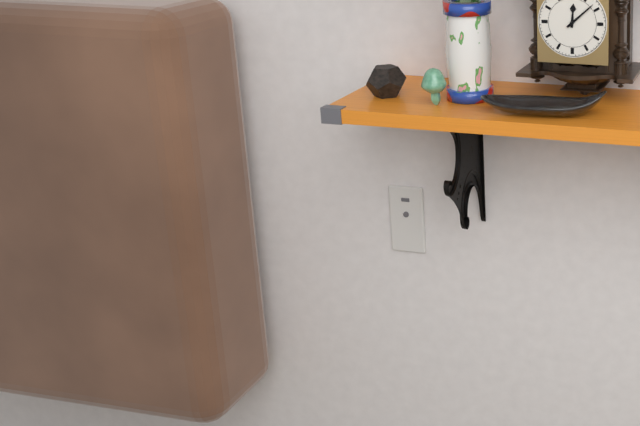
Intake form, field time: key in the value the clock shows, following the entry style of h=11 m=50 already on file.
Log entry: h=12 m=8
